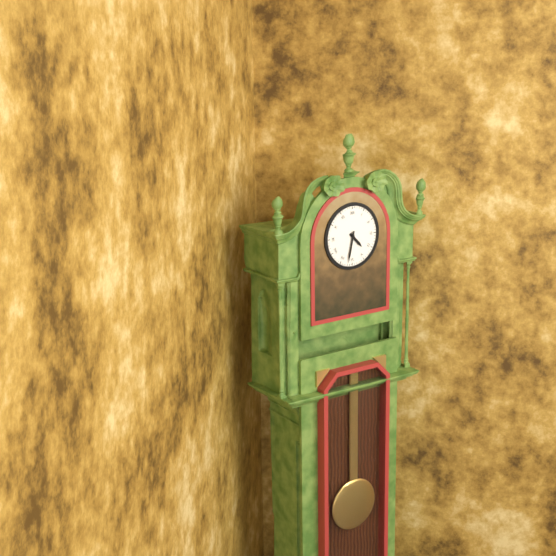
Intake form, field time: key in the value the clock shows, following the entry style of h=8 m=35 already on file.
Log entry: h=4 m=32
